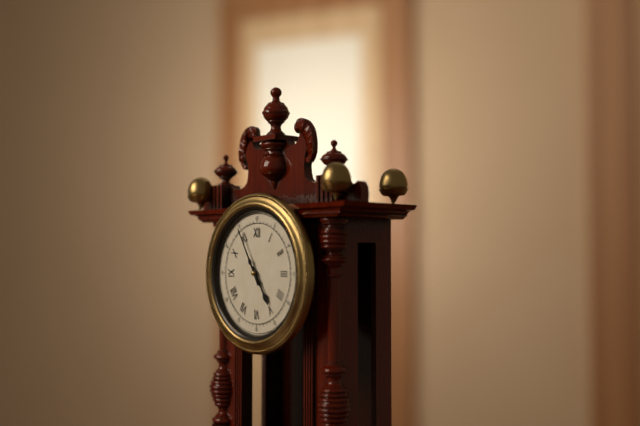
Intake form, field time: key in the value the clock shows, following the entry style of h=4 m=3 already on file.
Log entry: h=4 m=55
